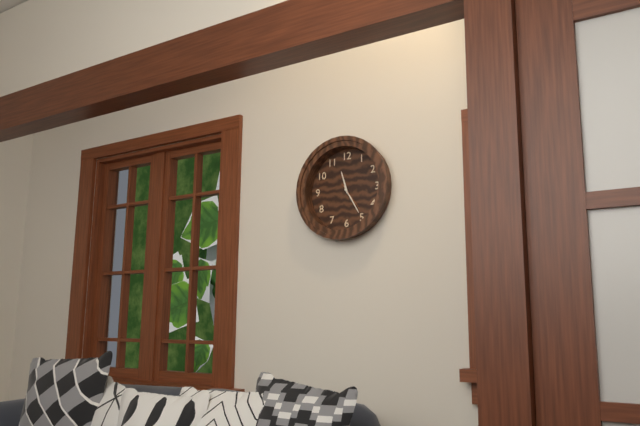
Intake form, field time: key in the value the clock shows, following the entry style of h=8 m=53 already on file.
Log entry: h=11 m=25
